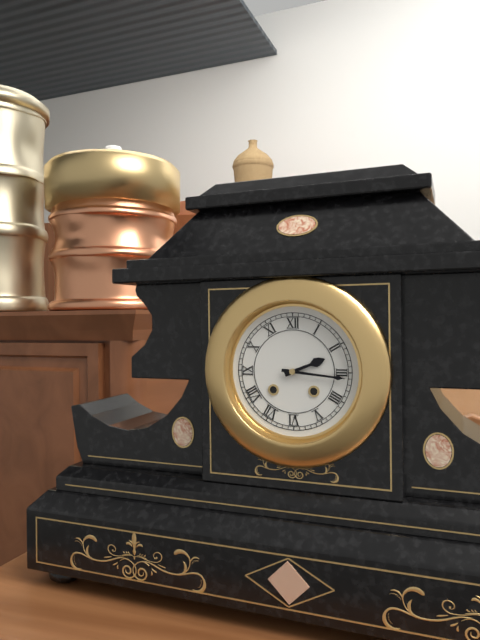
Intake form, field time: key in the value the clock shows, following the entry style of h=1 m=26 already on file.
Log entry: h=2 m=16
